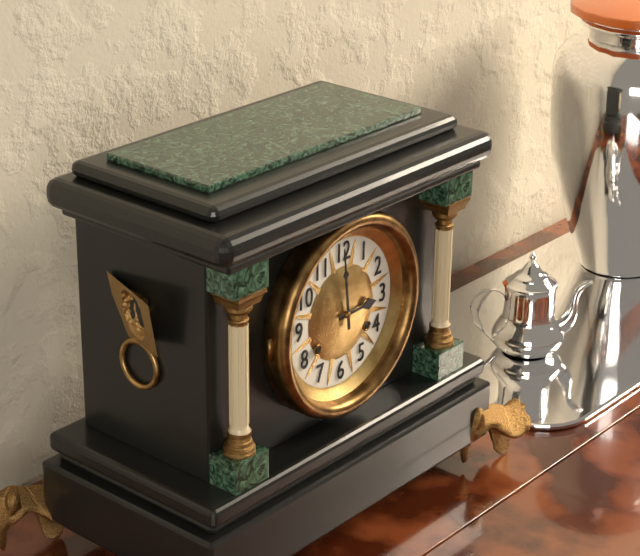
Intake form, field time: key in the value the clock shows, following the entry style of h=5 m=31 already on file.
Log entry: h=2 m=59
